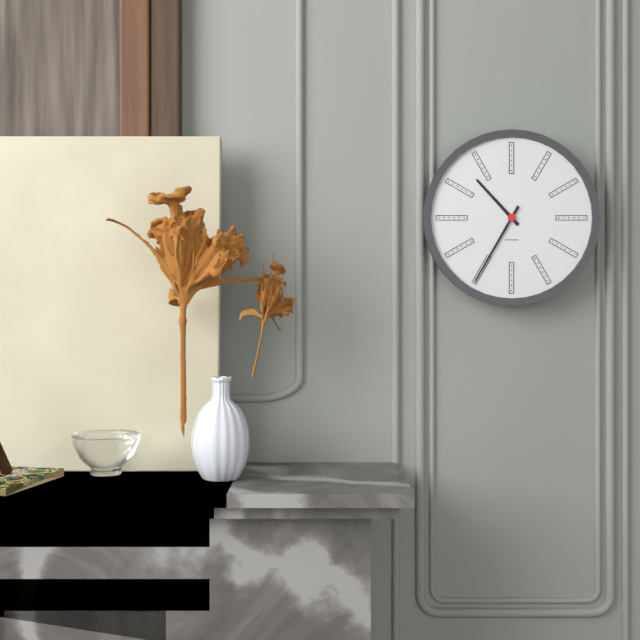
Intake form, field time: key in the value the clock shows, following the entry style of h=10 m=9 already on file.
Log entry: h=10 m=35
